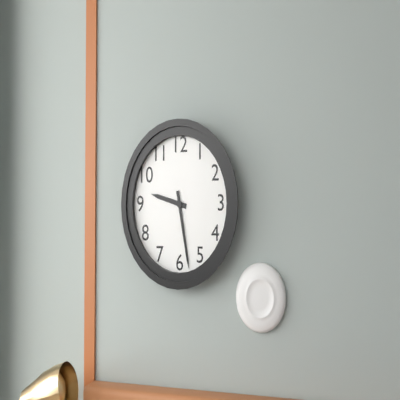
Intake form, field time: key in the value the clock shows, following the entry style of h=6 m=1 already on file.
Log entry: h=9 m=28
